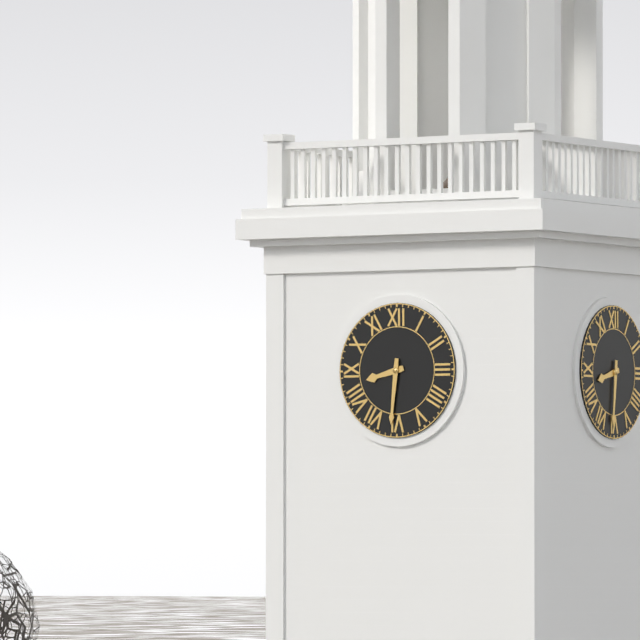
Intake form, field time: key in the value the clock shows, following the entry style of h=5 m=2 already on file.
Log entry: h=8 m=31
